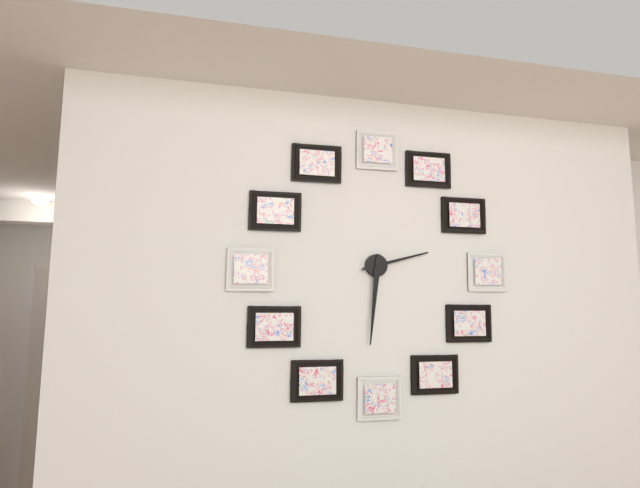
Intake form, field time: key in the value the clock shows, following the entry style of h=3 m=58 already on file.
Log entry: h=2 m=31
